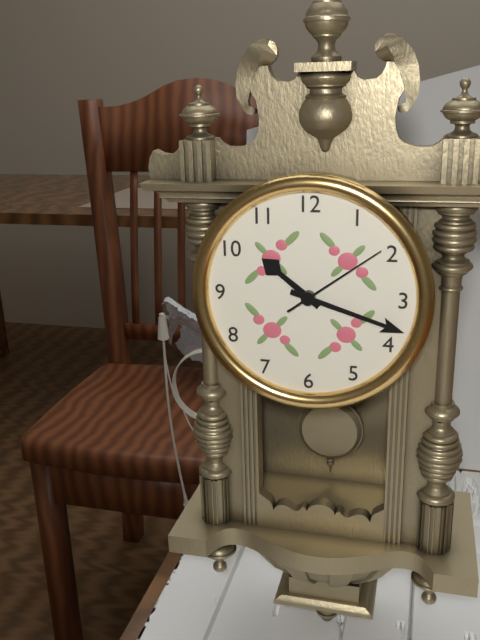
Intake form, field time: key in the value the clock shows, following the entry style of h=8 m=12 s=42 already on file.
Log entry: h=10 m=18 s=9
